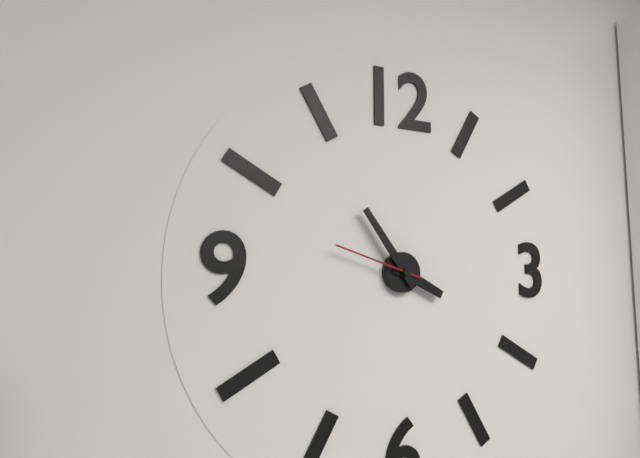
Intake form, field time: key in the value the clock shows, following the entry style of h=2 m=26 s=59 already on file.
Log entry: h=3 m=54 s=48
